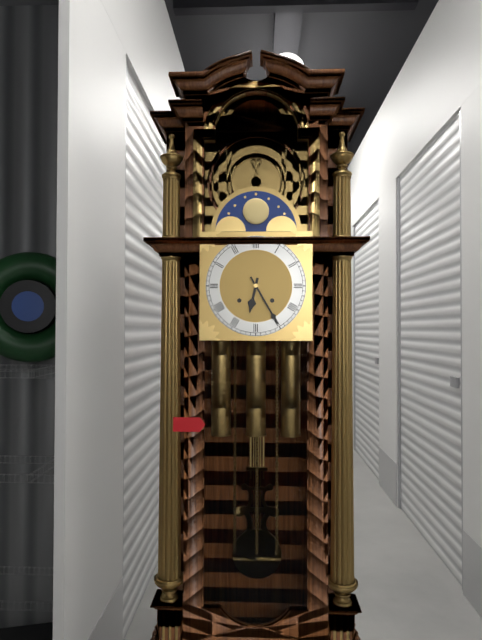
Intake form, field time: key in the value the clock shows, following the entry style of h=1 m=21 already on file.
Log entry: h=6 m=25
